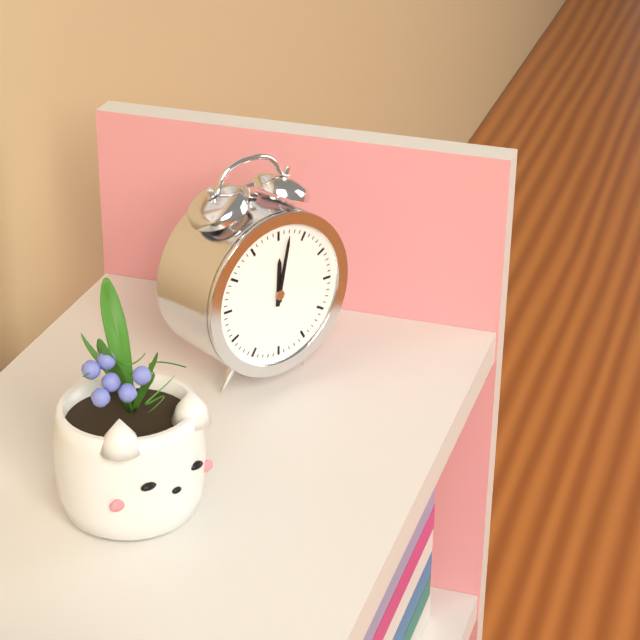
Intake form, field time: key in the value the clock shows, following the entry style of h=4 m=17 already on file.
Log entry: h=12 m=2
